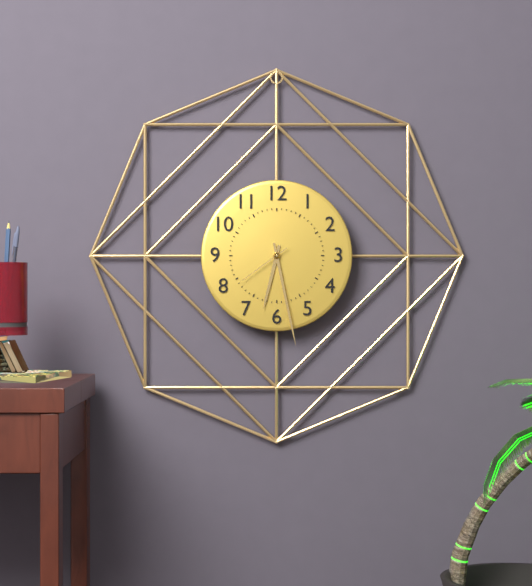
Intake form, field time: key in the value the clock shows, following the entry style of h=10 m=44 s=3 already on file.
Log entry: h=6 m=28 s=39
